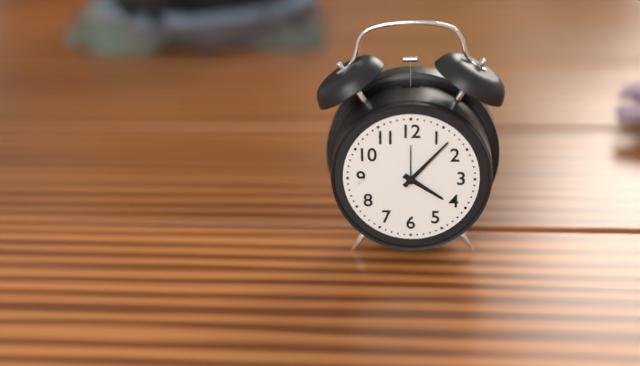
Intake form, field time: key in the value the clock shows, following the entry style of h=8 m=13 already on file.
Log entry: h=4 m=7
